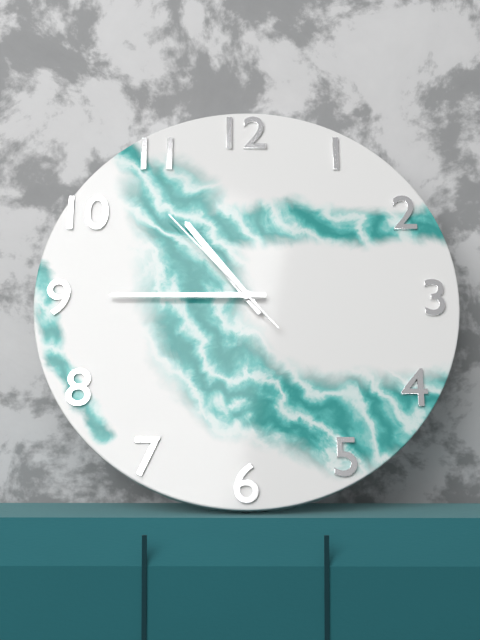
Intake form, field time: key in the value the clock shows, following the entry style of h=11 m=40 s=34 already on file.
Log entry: h=10 m=45 s=53
